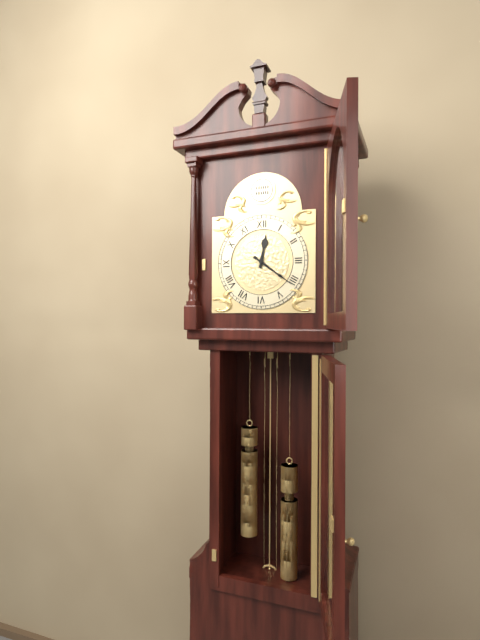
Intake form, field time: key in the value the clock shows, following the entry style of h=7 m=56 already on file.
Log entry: h=12 m=21
